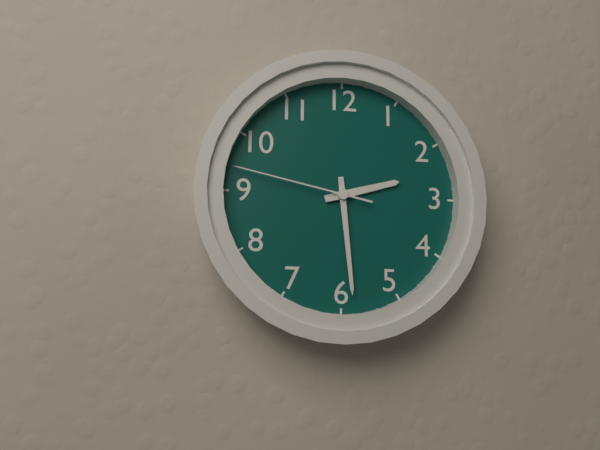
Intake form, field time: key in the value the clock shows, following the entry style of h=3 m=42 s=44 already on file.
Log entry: h=2 m=29 s=47
